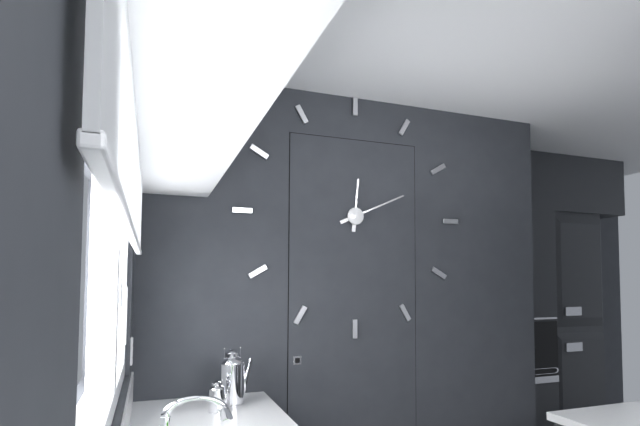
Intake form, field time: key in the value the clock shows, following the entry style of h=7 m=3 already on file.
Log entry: h=12 m=11
